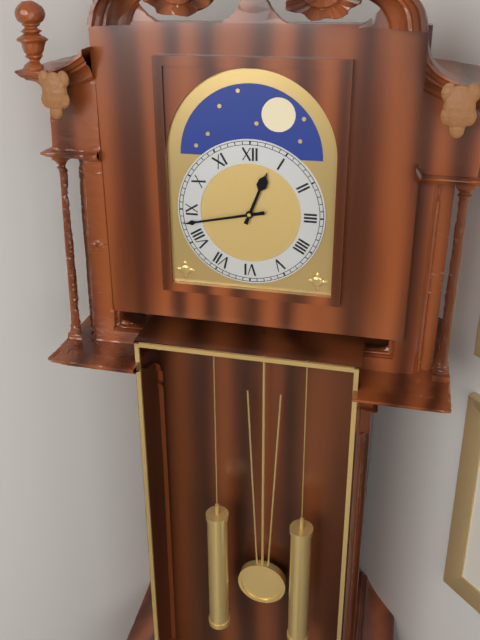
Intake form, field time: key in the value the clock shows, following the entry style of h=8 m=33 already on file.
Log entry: h=12 m=43
